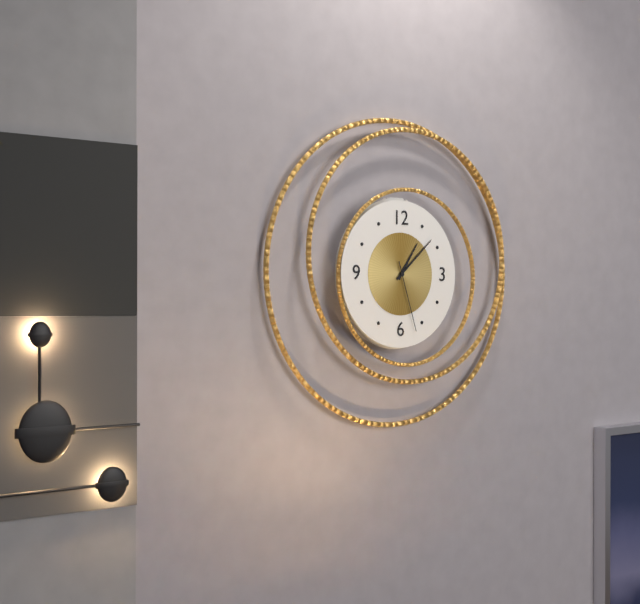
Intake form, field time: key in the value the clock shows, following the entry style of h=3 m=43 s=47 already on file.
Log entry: h=1 m=8 s=27
